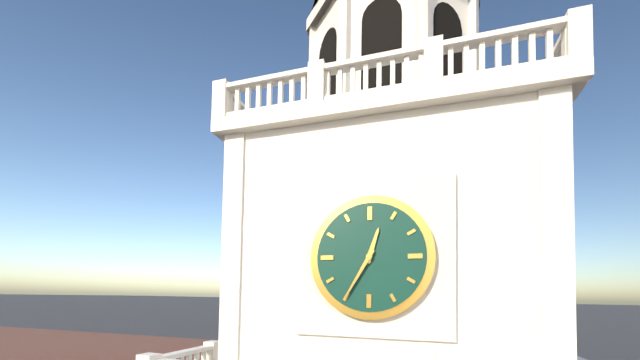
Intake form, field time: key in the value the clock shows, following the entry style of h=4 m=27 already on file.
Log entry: h=12 m=35
